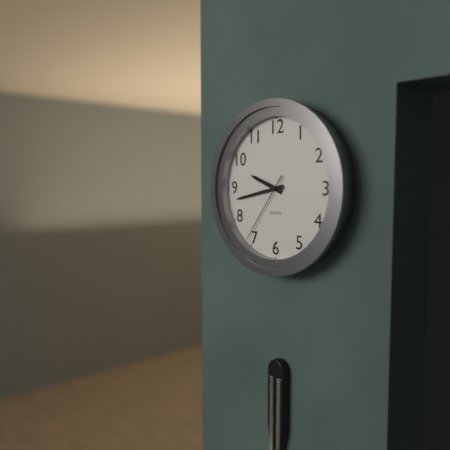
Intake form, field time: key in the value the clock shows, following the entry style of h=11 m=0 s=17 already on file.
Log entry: h=9 m=43 s=36
